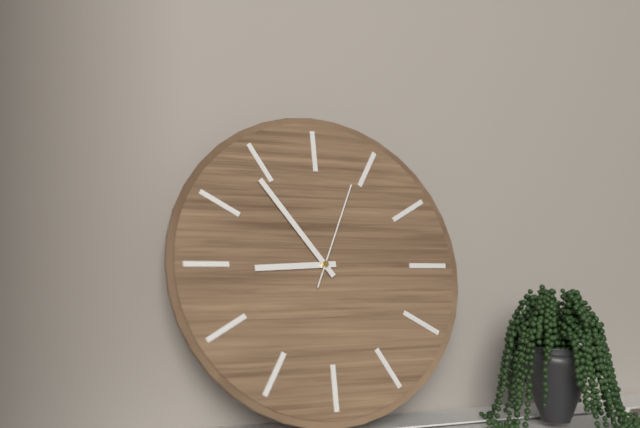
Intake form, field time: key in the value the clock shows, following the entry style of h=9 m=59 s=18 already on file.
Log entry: h=8 m=54 s=4
